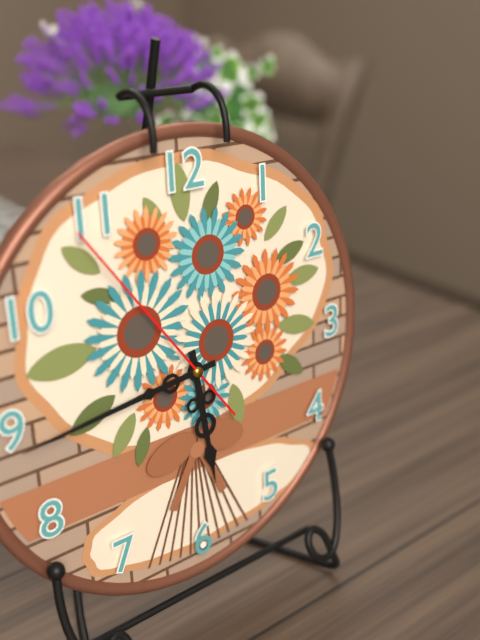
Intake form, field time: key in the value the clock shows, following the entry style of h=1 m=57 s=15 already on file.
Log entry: h=5 m=44 s=54
